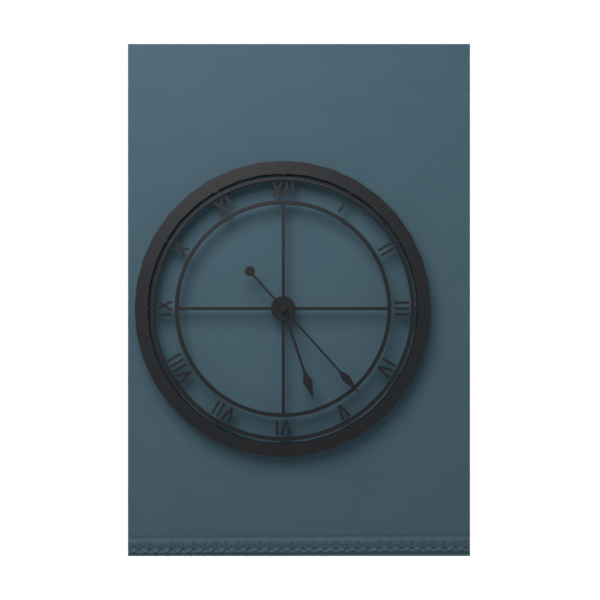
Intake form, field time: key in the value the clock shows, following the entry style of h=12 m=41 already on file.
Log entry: h=5 m=23
